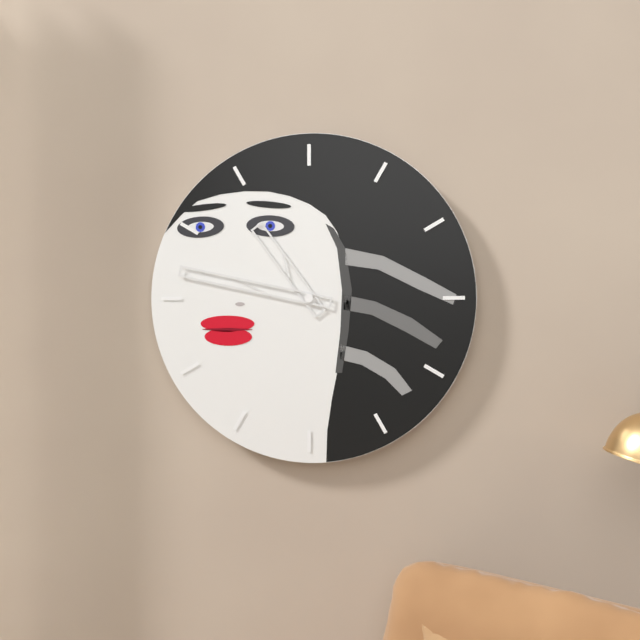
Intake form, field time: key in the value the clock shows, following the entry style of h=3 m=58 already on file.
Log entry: h=10 m=47
